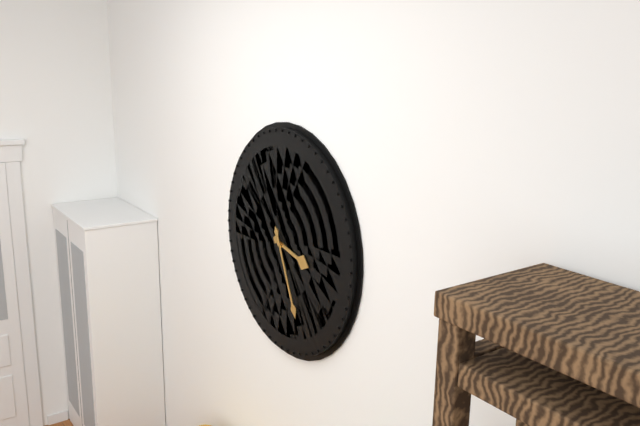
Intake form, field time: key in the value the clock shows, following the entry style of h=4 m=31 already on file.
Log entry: h=3 m=26
